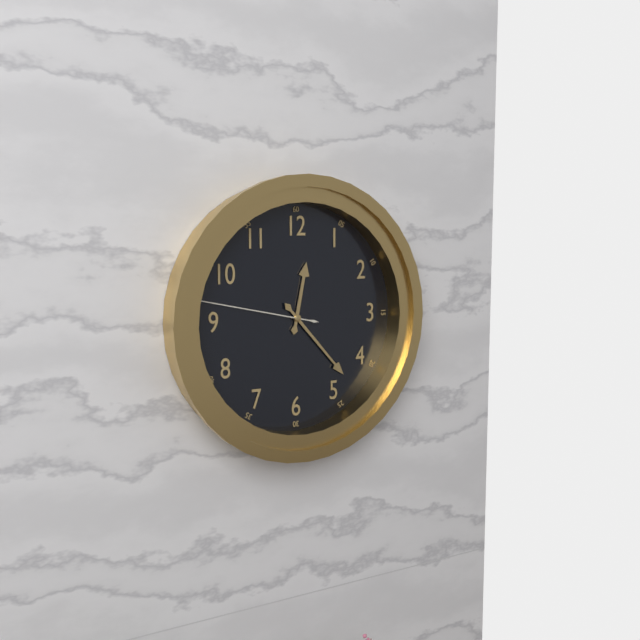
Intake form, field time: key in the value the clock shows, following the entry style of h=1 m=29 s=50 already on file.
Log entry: h=12 m=23 s=47
